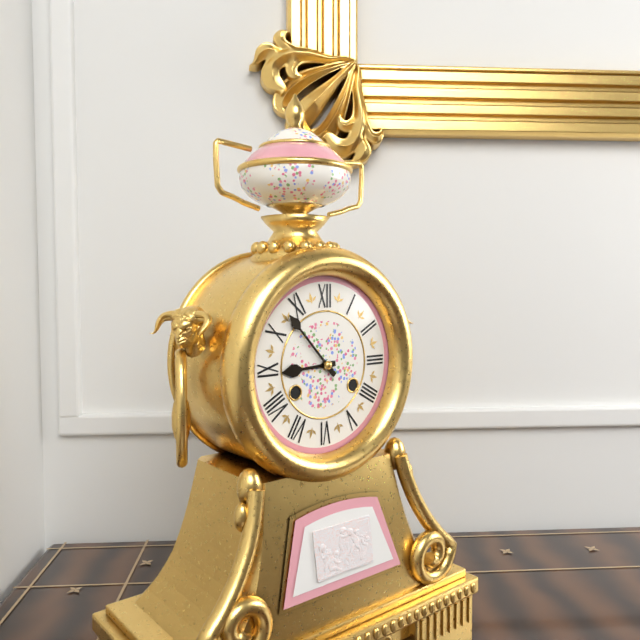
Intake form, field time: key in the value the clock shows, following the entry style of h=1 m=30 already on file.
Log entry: h=8 m=53
